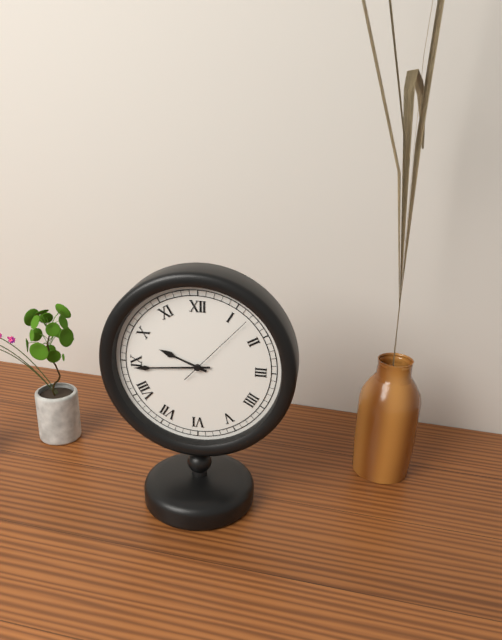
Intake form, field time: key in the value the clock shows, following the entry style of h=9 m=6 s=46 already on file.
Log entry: h=9 m=44 s=7
